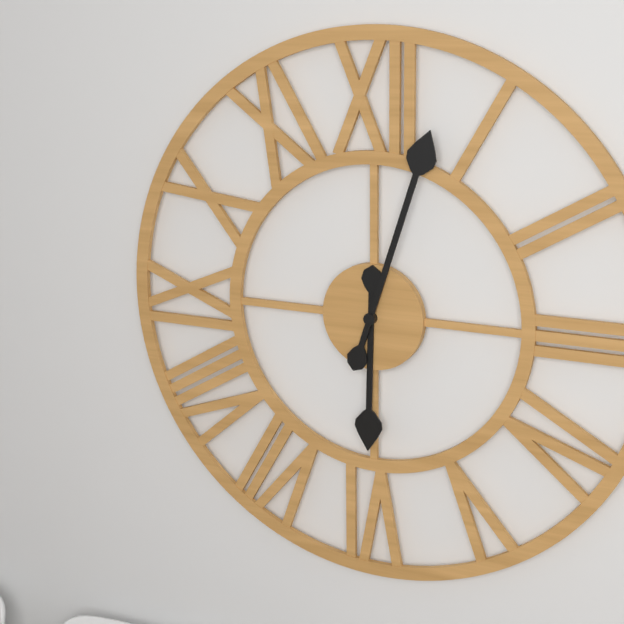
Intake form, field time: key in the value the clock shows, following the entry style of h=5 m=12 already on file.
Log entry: h=6 m=3
